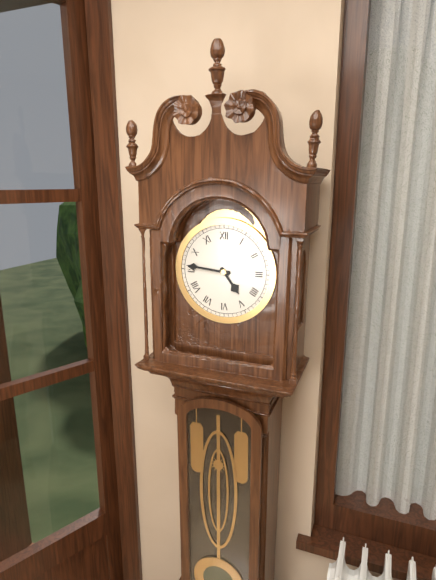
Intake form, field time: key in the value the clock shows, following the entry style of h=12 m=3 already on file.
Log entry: h=4 m=46
